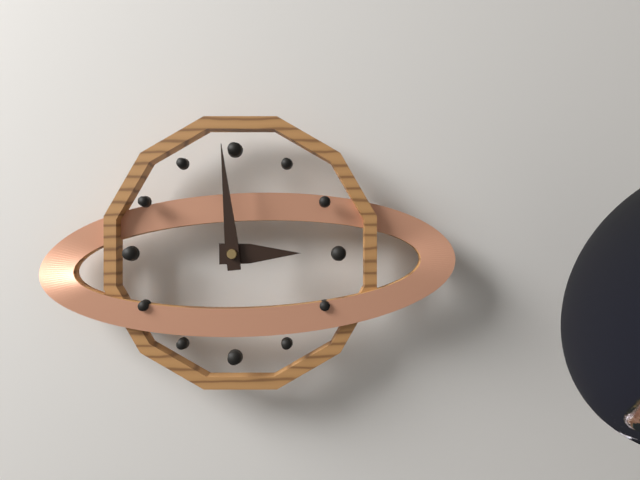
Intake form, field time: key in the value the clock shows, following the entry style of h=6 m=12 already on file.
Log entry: h=2 m=59
